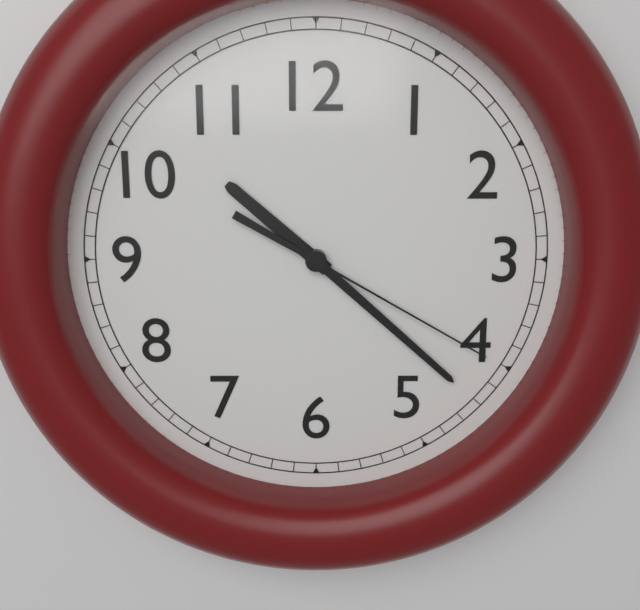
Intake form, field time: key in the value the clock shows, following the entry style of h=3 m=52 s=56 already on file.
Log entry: h=10 m=22 s=20
